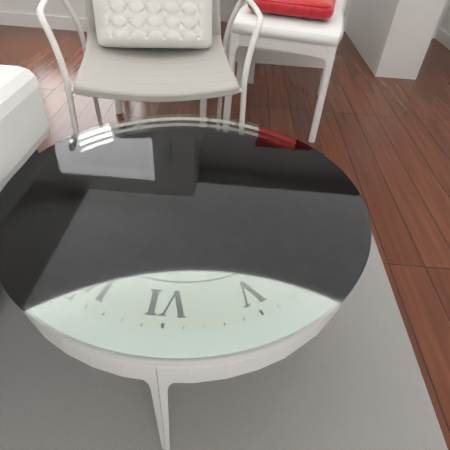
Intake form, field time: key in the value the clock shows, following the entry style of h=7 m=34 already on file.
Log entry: h=12 m=6
